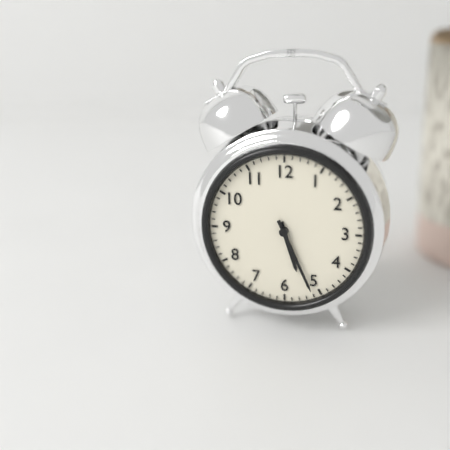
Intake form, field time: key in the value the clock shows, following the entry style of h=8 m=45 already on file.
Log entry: h=5 m=26
